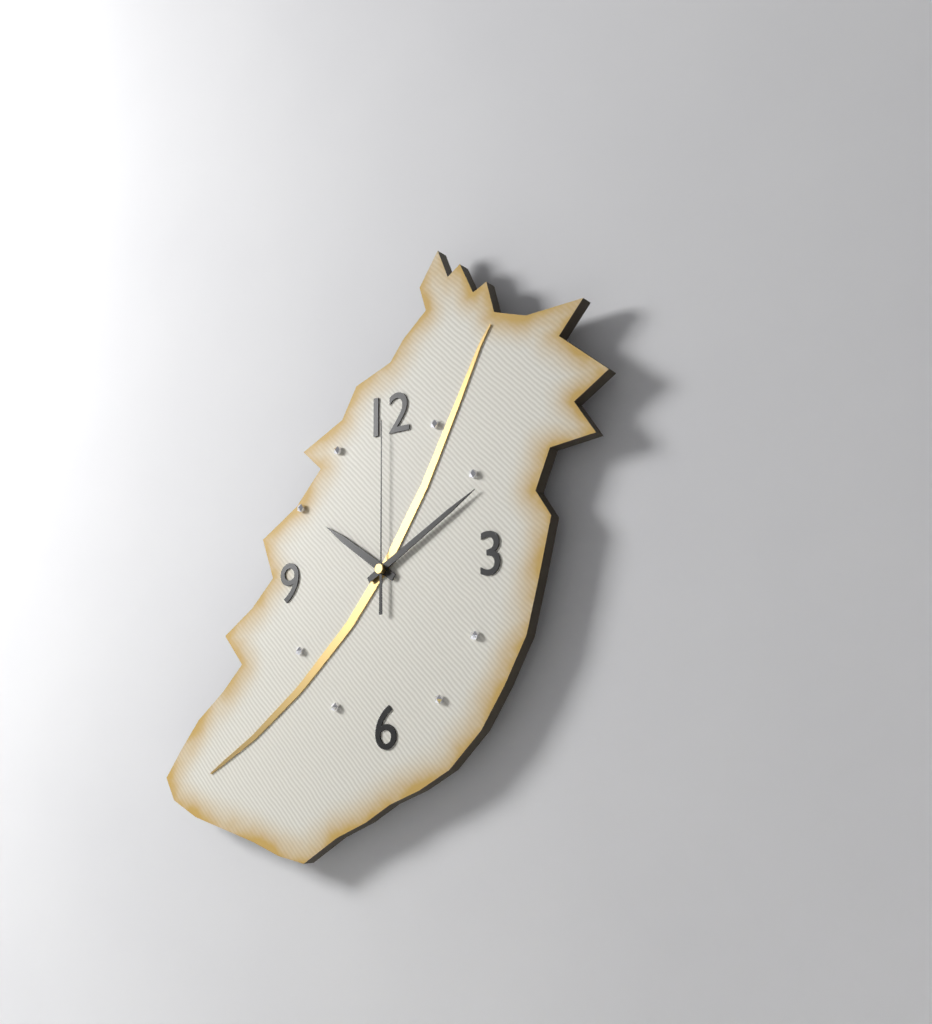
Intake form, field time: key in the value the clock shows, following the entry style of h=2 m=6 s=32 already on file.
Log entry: h=10 m=10 s=0
